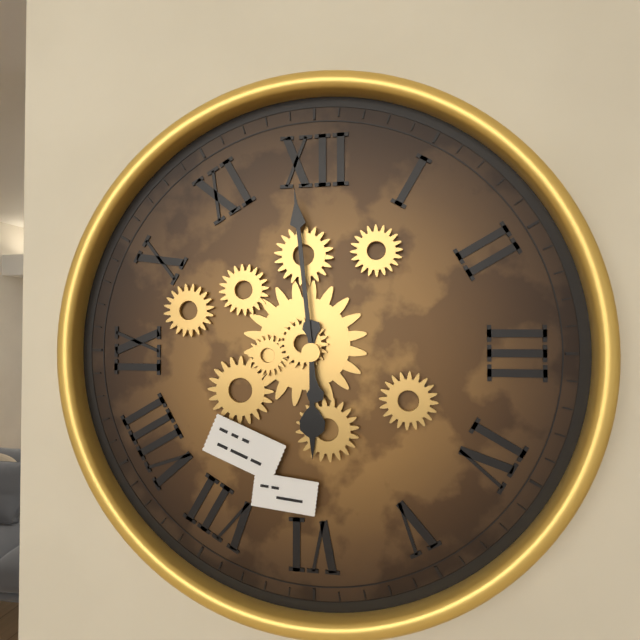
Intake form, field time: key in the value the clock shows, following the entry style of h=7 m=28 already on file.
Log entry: h=5 m=59
